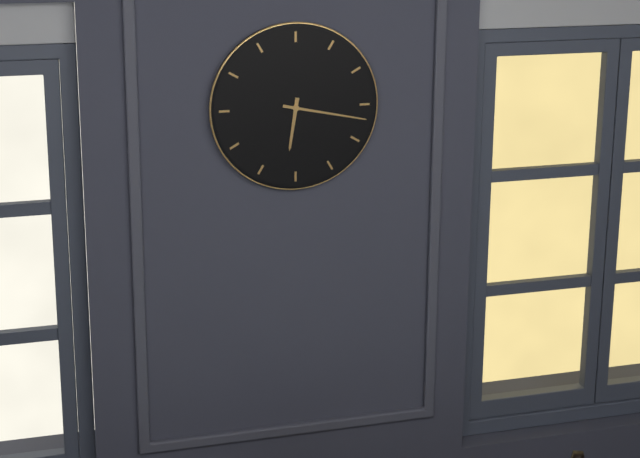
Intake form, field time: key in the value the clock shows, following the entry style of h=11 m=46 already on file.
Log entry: h=6 m=17
